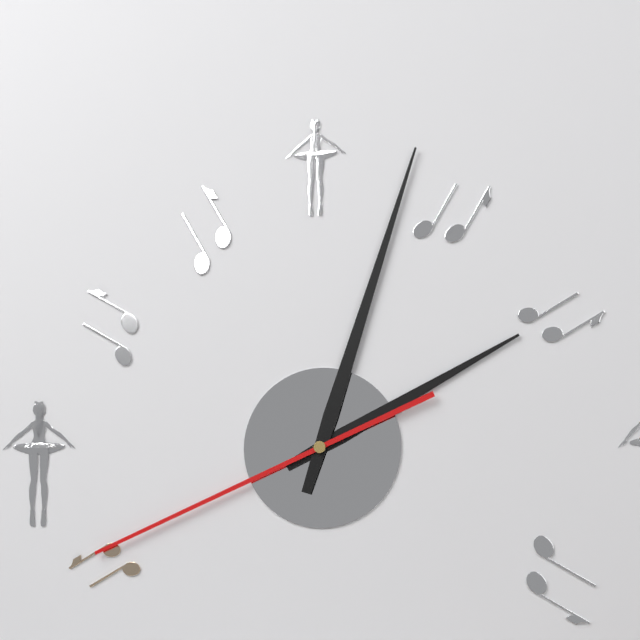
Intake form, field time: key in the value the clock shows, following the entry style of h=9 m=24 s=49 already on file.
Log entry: h=2 m=3 s=41
